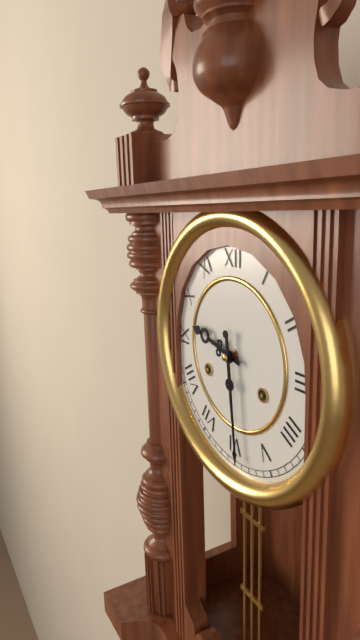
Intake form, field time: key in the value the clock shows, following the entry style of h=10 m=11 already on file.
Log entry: h=9 m=29
